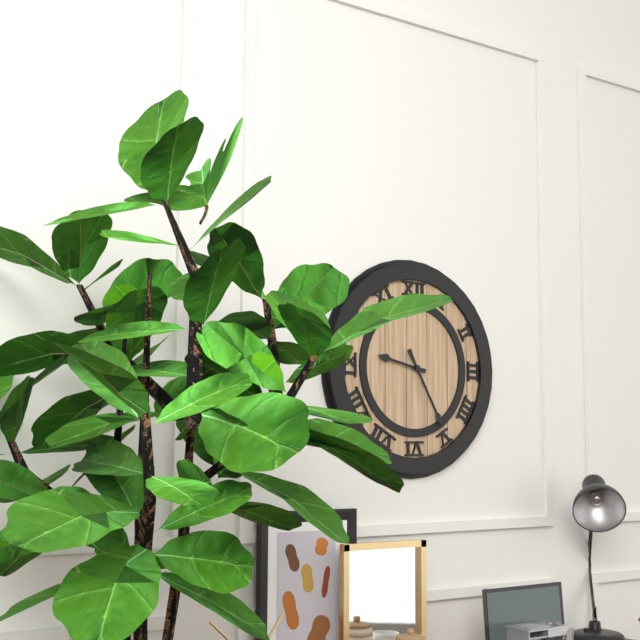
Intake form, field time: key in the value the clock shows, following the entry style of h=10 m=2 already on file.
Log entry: h=9 m=25
